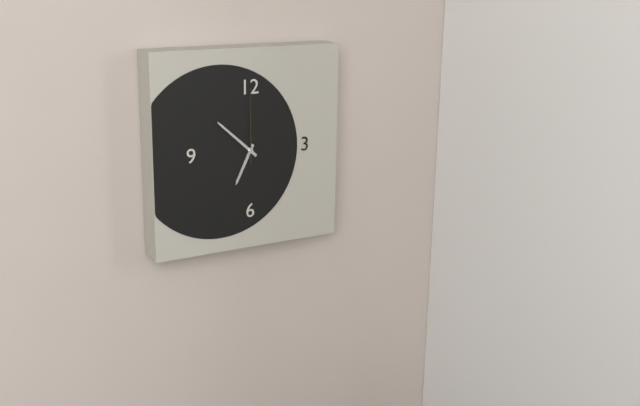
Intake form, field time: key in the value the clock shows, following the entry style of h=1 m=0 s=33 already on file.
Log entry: h=6 m=52 s=0
